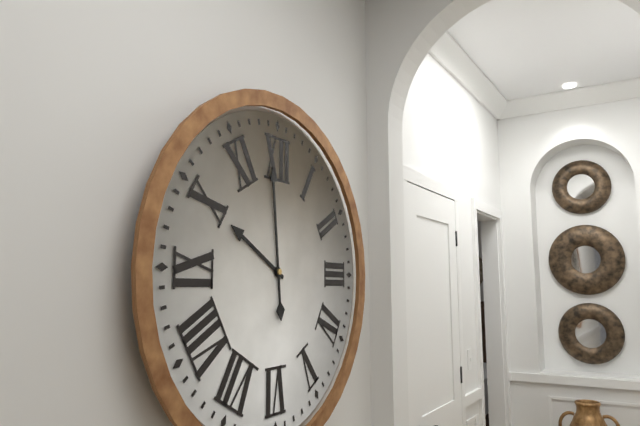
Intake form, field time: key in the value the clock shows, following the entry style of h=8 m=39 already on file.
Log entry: h=9 m=59
